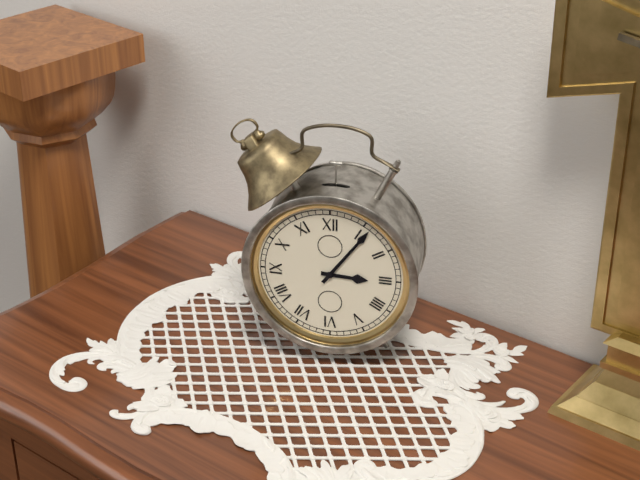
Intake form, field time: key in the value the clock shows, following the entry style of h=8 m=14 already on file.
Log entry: h=3 m=6
